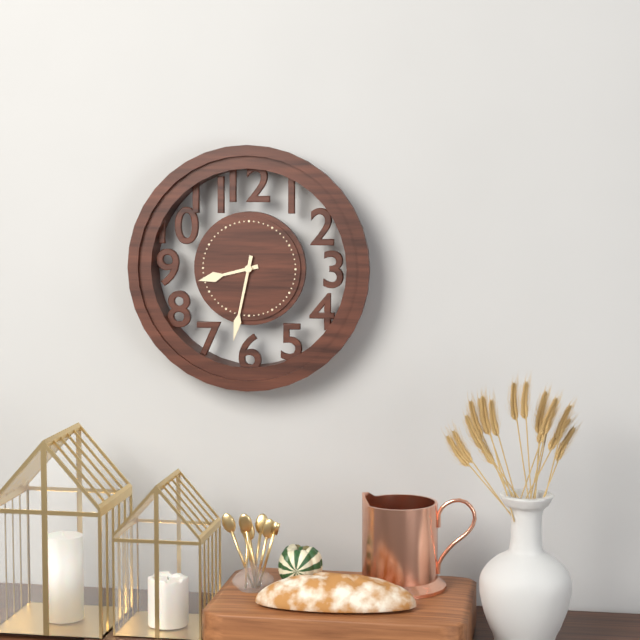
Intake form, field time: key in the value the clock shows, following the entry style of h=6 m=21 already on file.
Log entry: h=8 m=32
